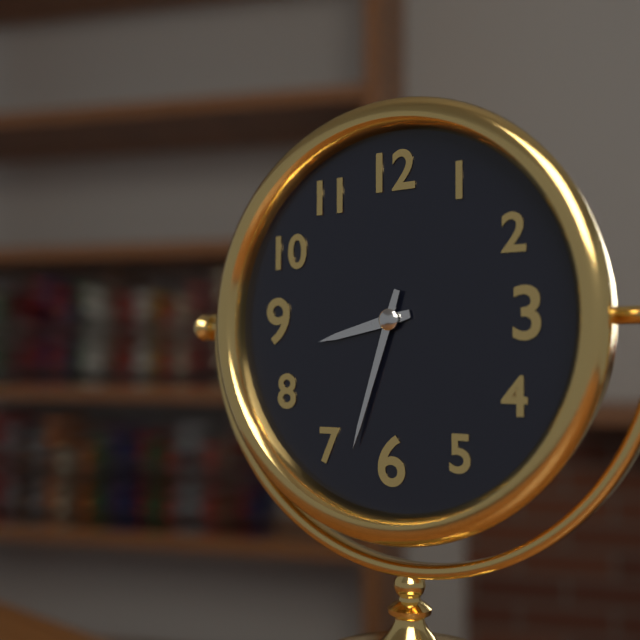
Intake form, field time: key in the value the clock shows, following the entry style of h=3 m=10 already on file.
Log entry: h=8 m=33
